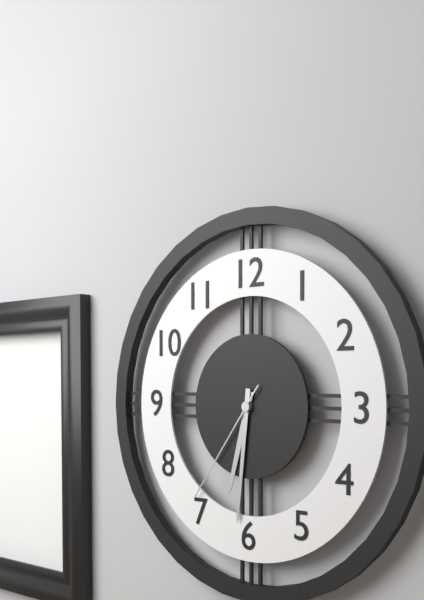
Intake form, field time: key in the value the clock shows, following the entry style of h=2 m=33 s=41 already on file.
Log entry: h=6 m=31 s=36
